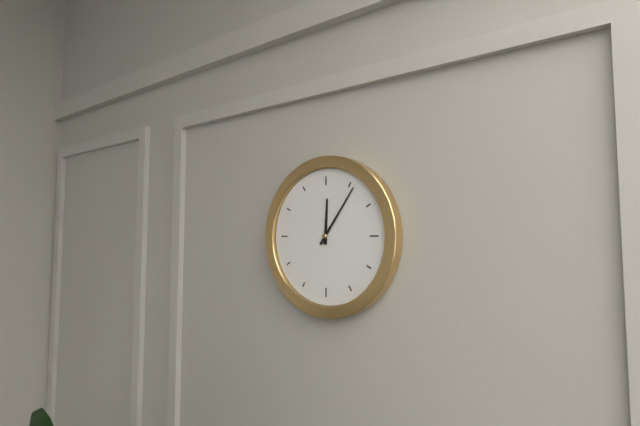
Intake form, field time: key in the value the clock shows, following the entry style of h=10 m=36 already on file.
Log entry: h=12 m=6
